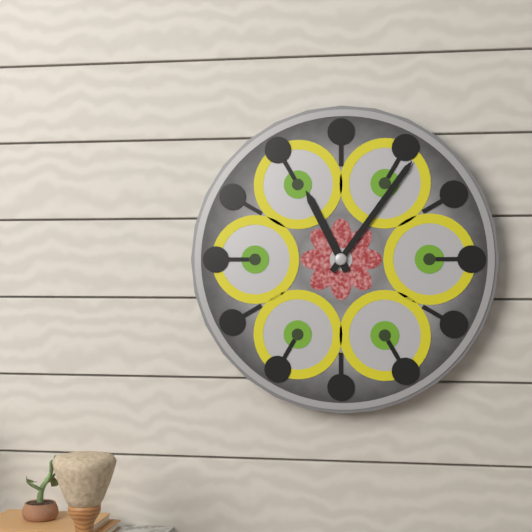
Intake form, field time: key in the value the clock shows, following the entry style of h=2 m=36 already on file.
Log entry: h=11 m=6
